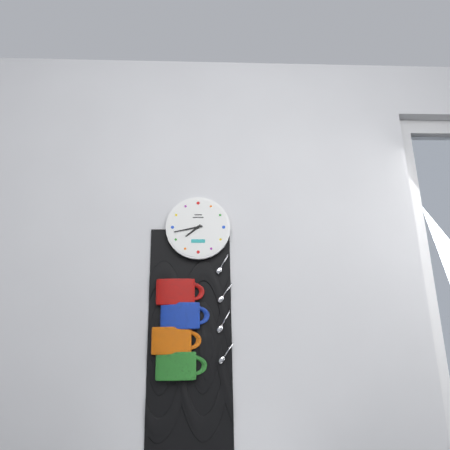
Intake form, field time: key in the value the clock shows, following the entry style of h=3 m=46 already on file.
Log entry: h=7 m=43
